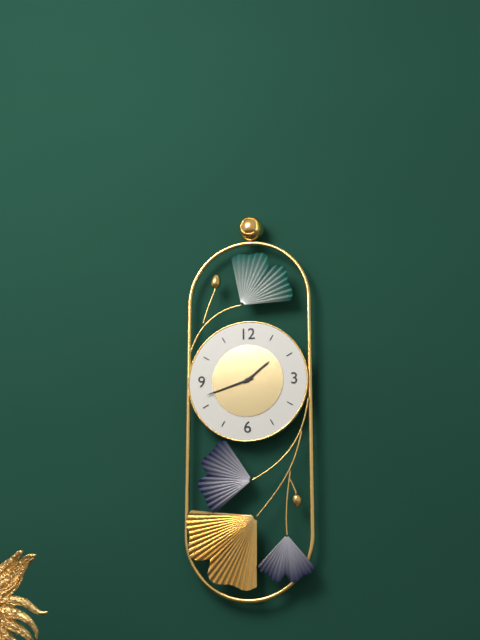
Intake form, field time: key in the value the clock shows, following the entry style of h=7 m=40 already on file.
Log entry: h=1 m=42
